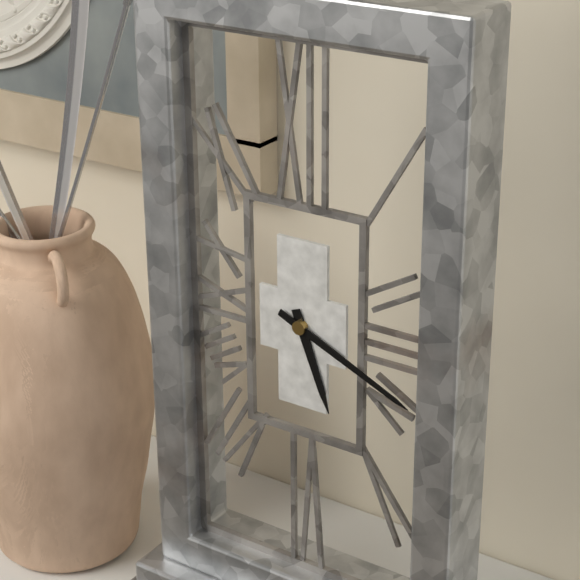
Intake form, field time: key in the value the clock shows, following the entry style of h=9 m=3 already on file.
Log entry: h=5 m=19
